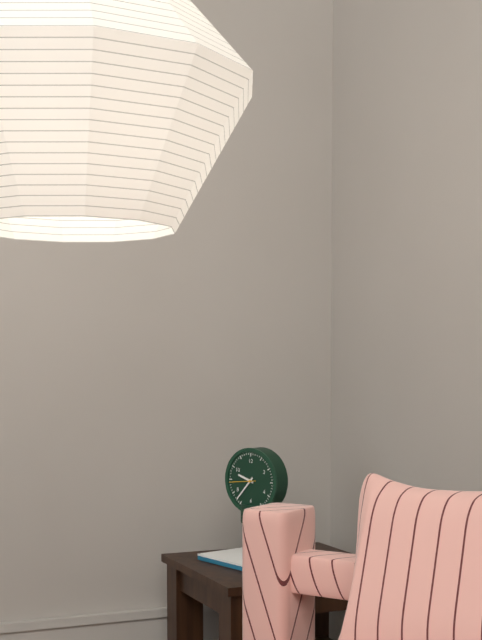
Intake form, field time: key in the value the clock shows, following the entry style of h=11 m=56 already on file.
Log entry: h=9 m=37
